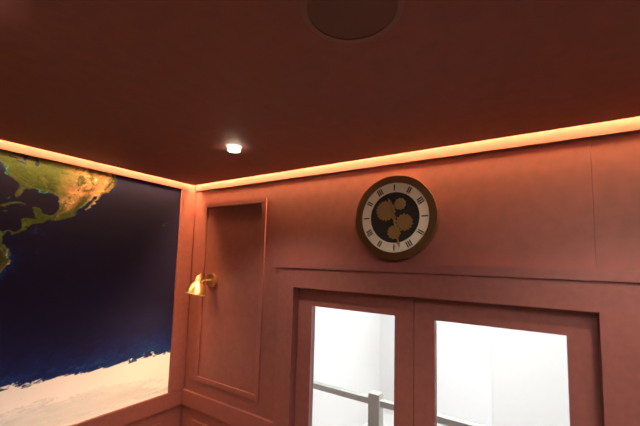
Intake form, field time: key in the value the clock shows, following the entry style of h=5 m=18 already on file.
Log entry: h=11 m=28
